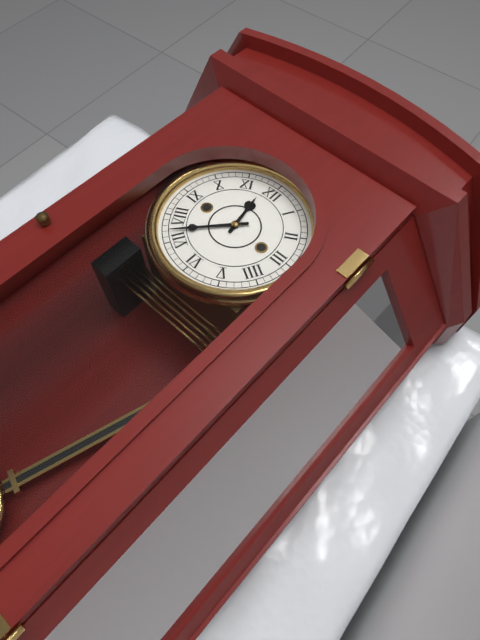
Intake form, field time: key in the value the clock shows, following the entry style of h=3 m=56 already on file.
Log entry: h=11 m=37
